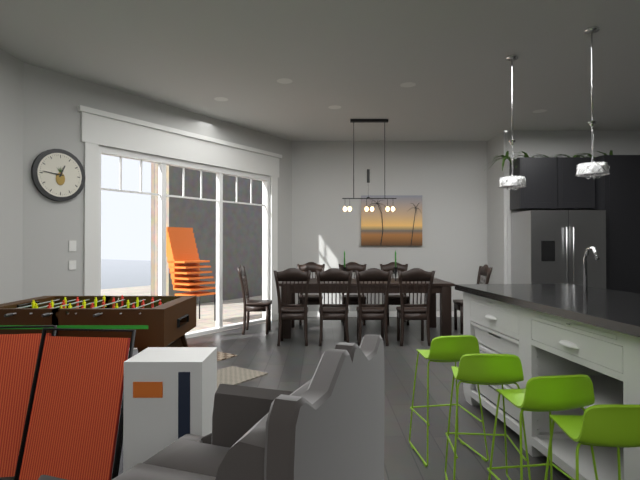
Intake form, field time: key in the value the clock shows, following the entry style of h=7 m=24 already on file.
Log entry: h=12 m=46
